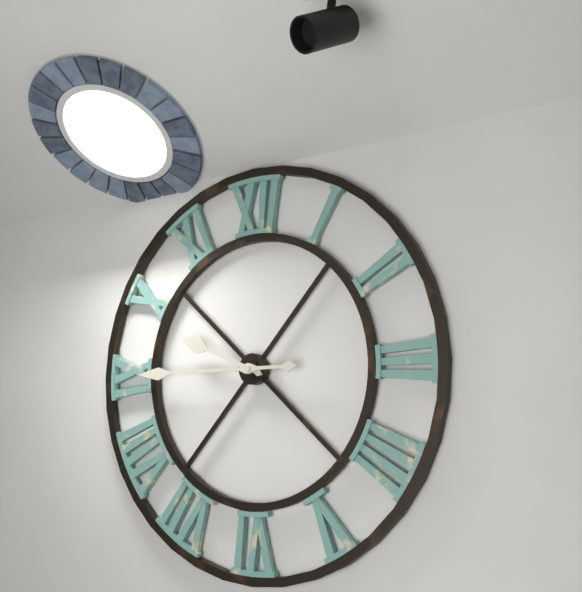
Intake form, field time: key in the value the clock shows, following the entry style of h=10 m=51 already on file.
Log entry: h=9 m=45
